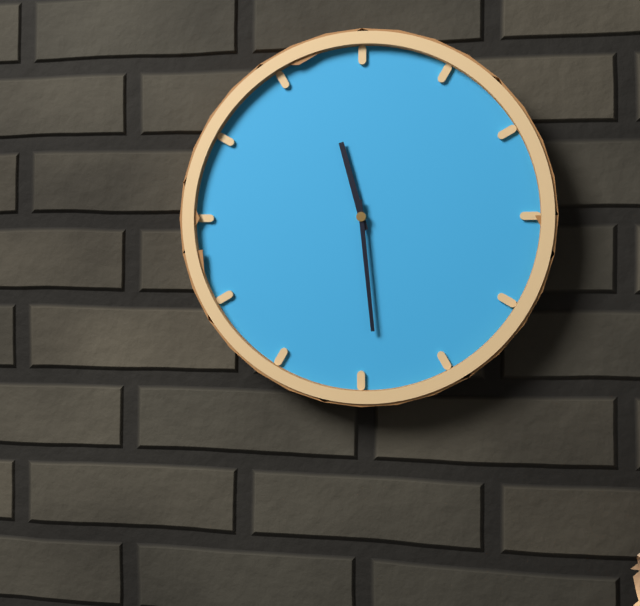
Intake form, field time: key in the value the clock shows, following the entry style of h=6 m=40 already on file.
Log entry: h=11 m=29
